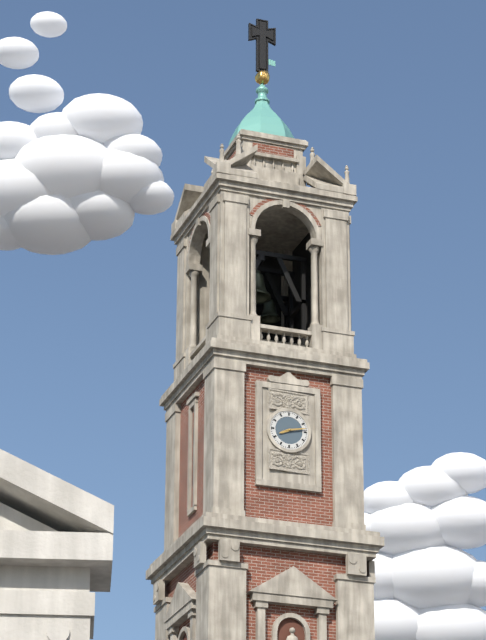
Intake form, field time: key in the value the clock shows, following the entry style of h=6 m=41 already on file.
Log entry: h=8 m=13
